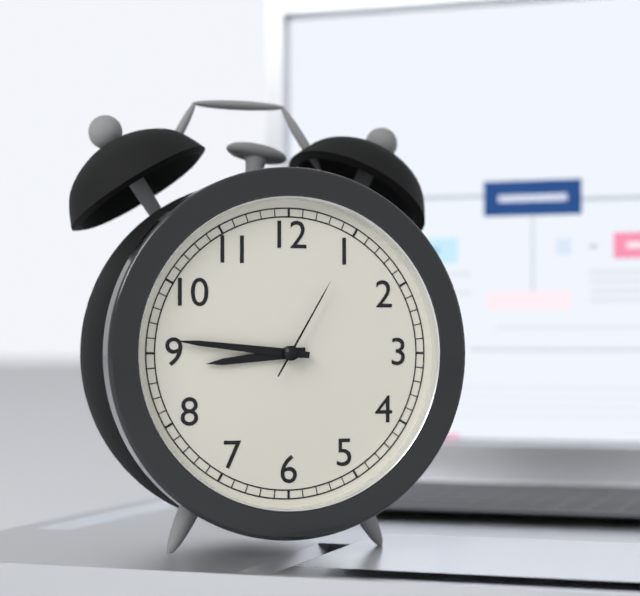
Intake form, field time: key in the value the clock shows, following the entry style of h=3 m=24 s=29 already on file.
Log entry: h=8 m=46 s=5
